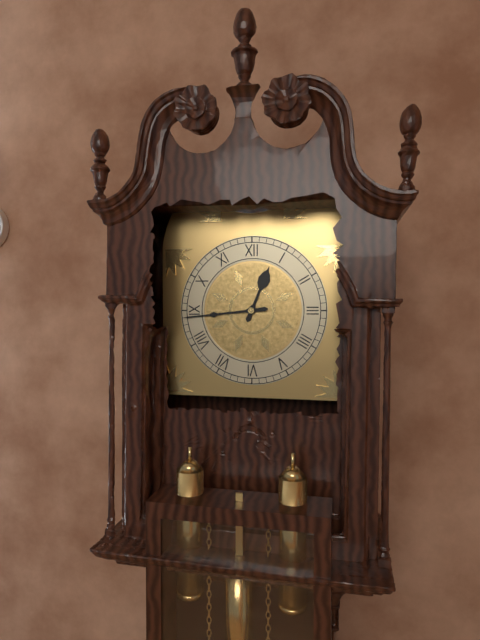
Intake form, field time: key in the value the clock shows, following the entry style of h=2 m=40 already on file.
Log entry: h=12 m=44
